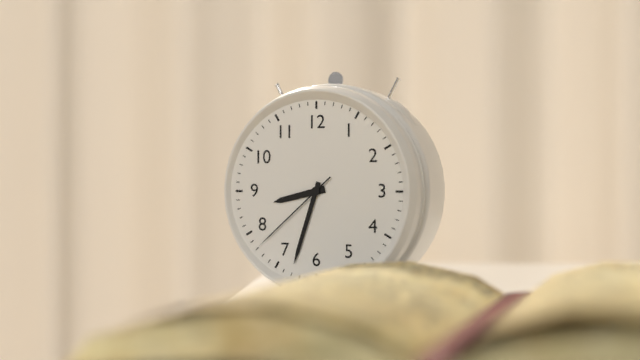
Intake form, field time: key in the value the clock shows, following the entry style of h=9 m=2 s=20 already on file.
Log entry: h=8 m=33 s=38
